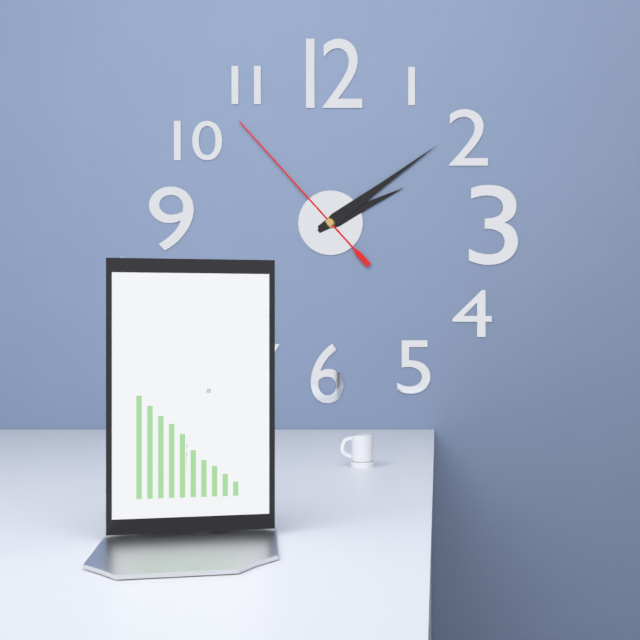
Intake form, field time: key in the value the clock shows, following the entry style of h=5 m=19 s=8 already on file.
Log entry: h=2 m=9 s=53
